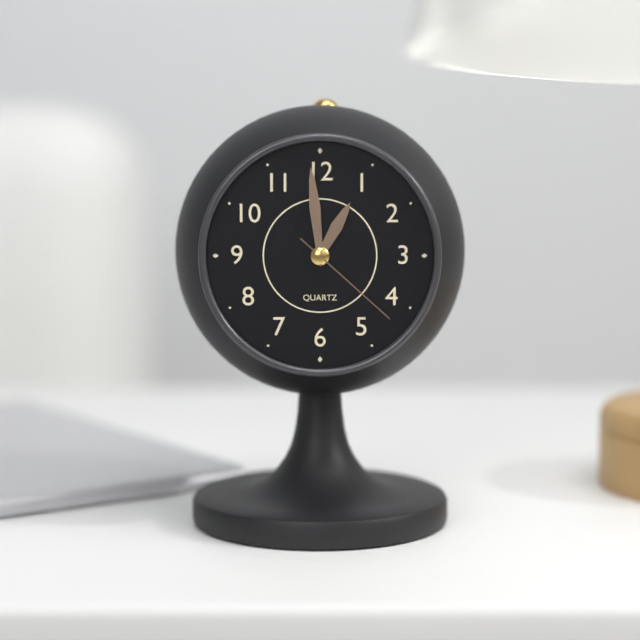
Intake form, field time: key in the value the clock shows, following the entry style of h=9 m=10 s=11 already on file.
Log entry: h=12 m=59 s=22
